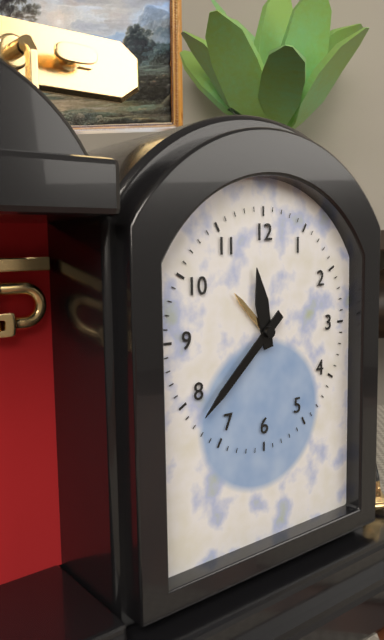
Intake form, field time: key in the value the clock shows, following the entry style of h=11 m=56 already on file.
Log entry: h=11 m=38
